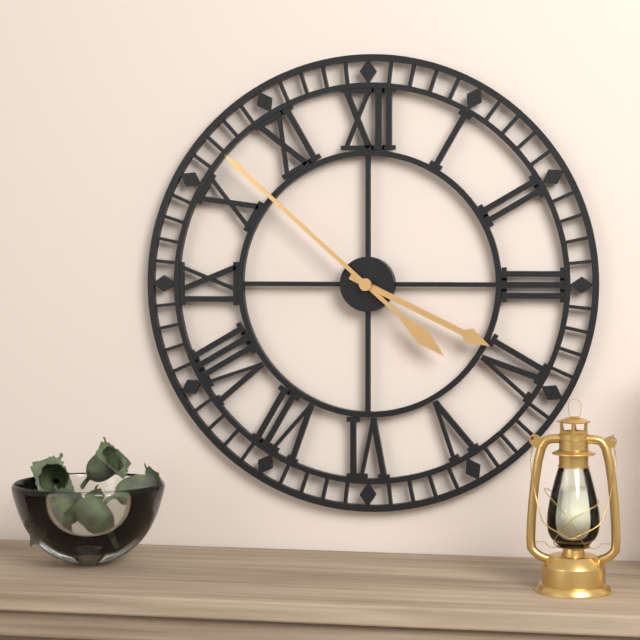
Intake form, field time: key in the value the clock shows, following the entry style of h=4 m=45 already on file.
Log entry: h=3 m=52
